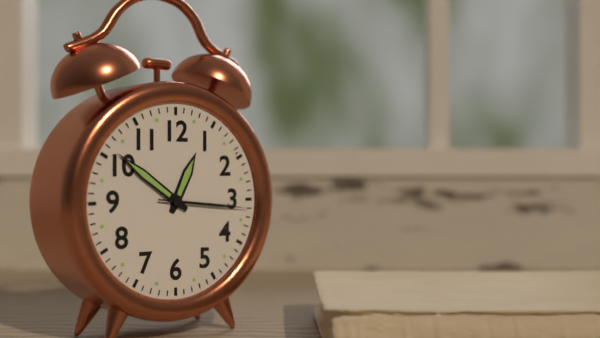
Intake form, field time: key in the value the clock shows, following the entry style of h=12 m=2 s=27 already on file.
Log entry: h=12 m=51 s=16
